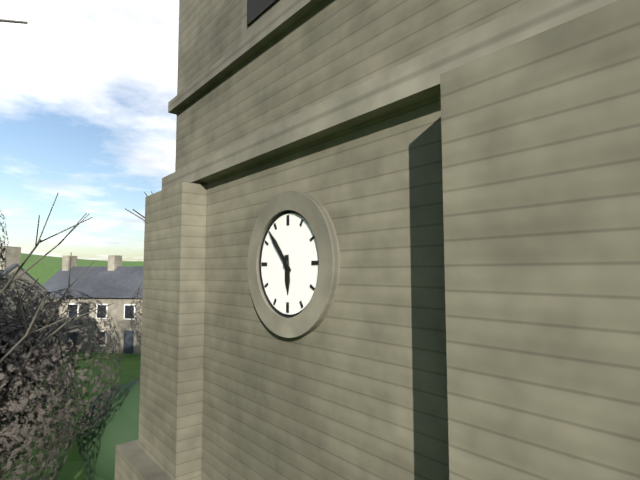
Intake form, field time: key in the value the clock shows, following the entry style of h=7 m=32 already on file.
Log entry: h=5 m=53
